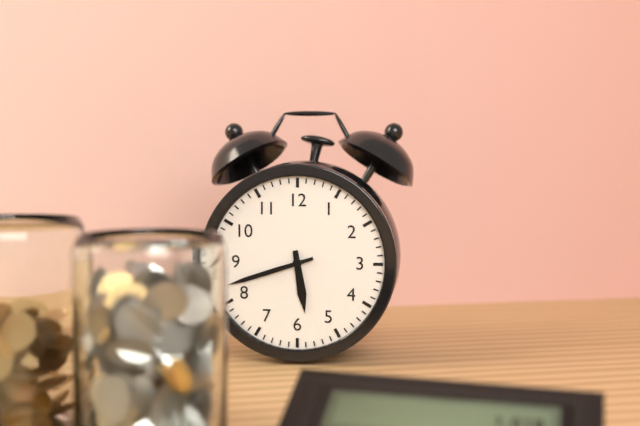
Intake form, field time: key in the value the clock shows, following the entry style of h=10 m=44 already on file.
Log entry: h=5 m=42
